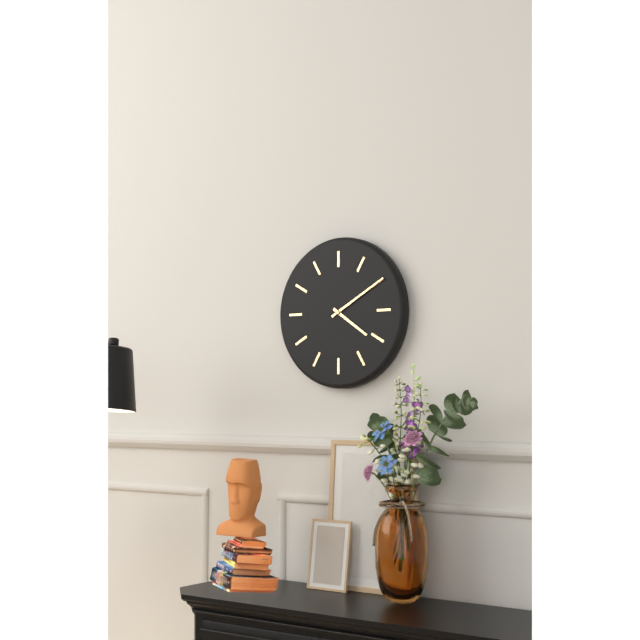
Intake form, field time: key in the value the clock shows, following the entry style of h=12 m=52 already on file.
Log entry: h=4 m=10
